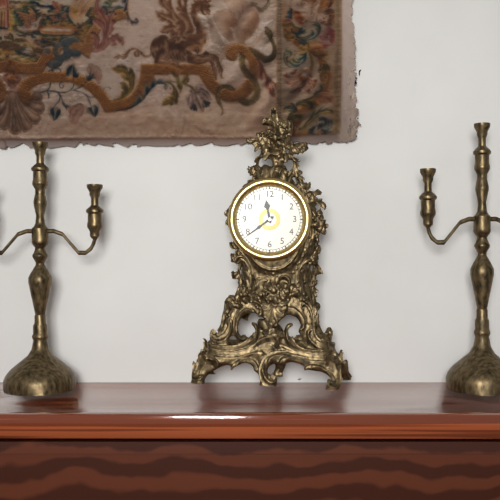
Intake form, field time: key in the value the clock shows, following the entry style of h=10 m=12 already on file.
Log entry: h=11 m=39
